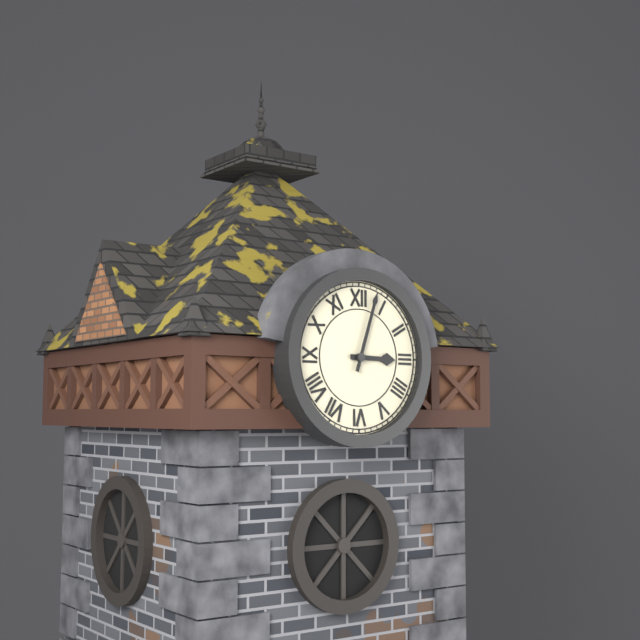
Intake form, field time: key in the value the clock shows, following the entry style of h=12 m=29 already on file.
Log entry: h=3 m=3
